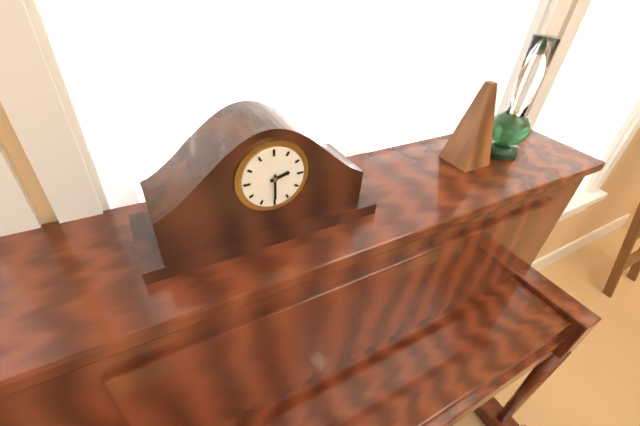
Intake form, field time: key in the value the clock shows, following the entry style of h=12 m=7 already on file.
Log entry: h=2 m=30
